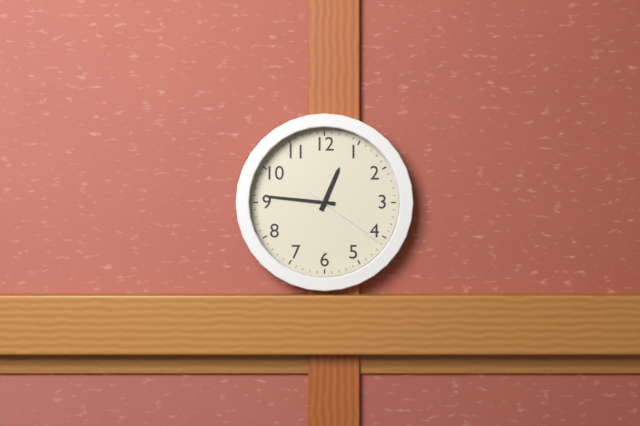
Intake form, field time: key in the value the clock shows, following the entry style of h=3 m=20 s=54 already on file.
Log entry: h=12 m=46 s=21
